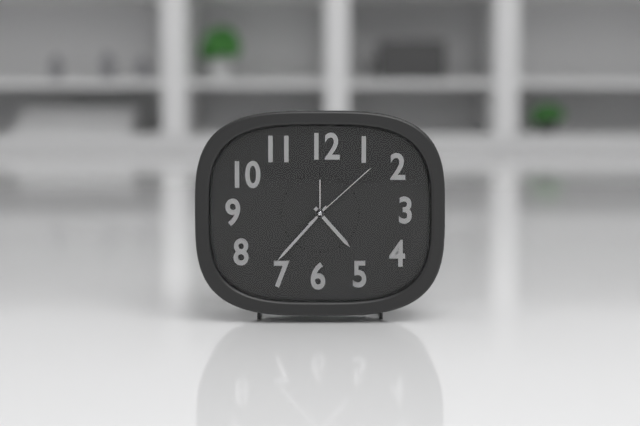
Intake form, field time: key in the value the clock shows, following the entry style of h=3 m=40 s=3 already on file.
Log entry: h=4 m=37 s=8
